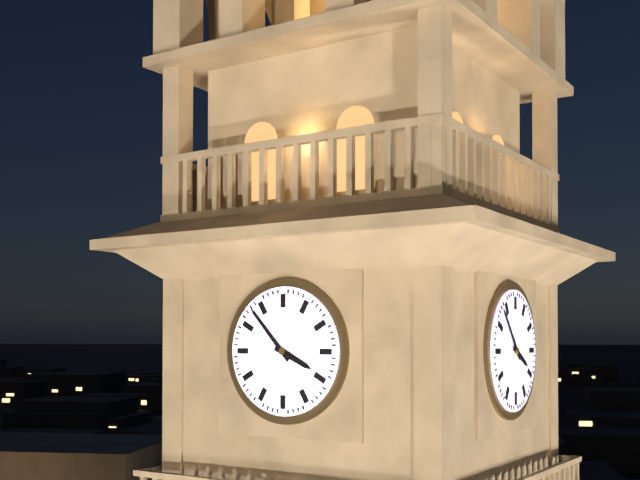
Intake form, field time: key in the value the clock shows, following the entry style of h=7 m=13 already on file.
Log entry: h=3 m=53
